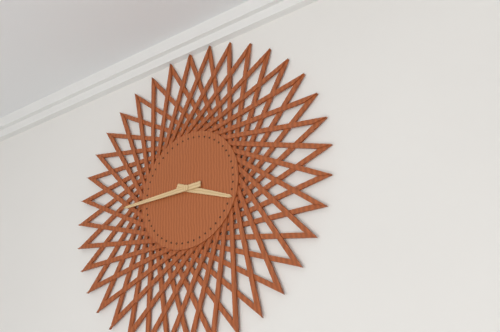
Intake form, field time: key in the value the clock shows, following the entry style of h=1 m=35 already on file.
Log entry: h=3 m=45
